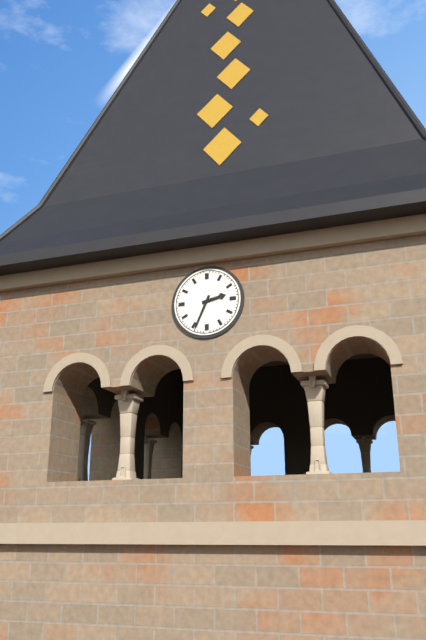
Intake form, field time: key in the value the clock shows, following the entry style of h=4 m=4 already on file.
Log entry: h=2 m=34
